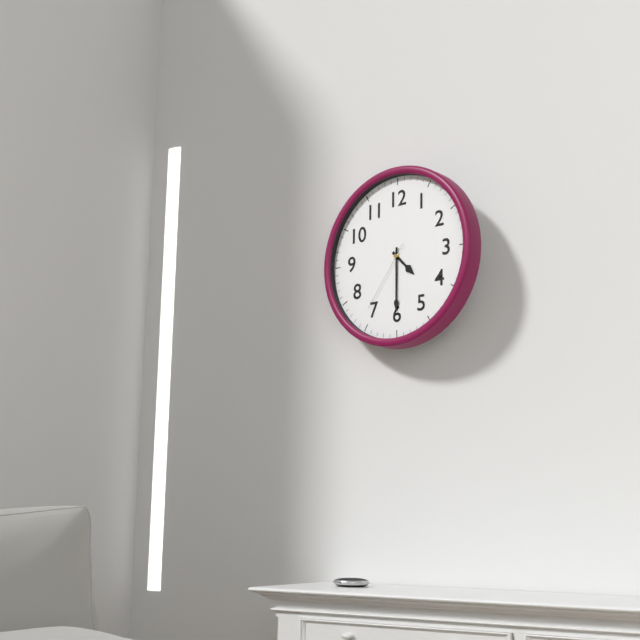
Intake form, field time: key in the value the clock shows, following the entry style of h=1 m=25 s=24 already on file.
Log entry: h=4 m=30 s=36
